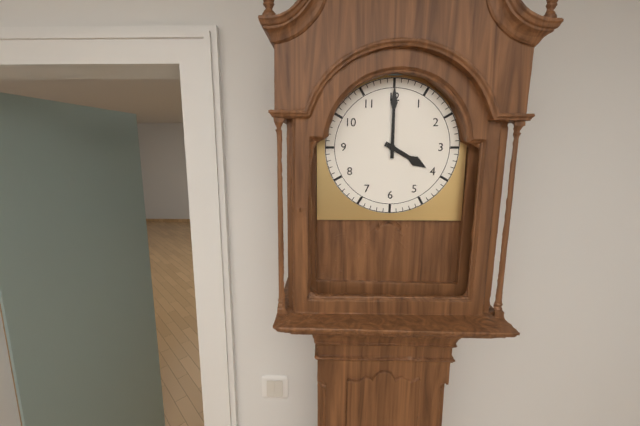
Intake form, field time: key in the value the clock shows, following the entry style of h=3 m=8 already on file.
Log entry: h=4 m=0
